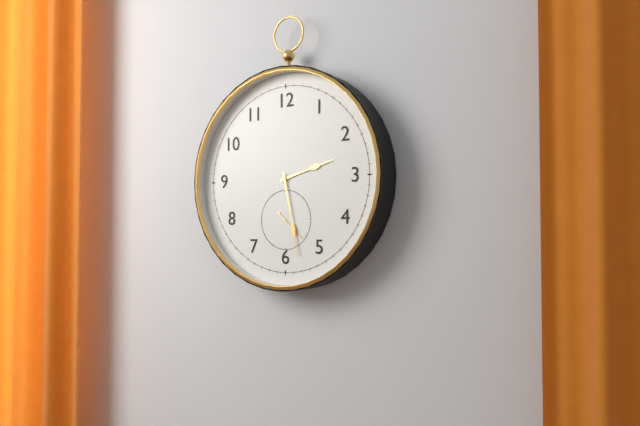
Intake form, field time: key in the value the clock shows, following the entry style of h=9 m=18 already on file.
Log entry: h=2 m=28
